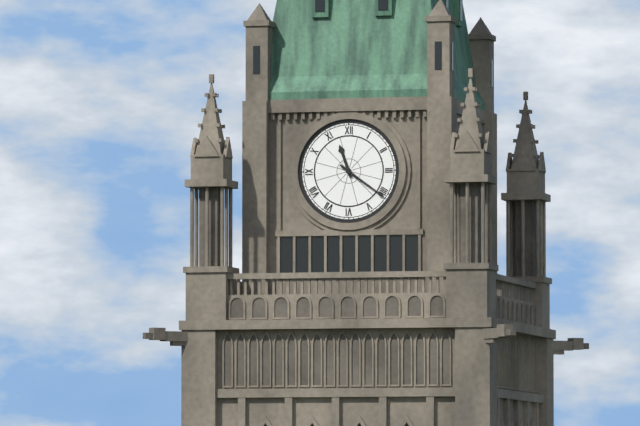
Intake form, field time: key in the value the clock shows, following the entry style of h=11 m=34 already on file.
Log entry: h=11 m=21
